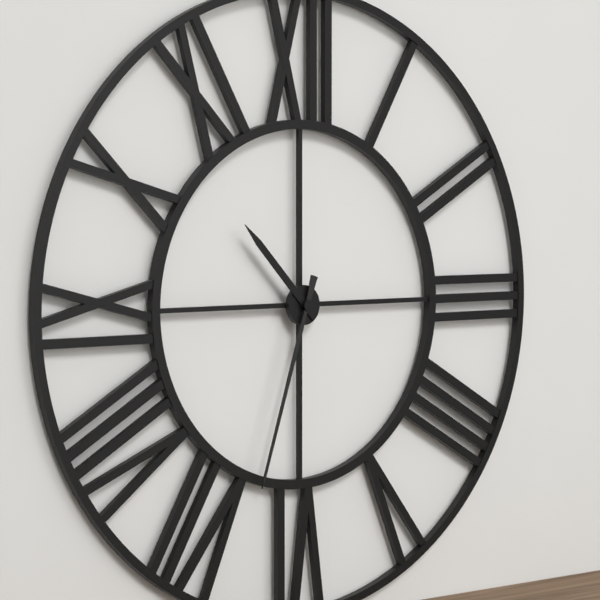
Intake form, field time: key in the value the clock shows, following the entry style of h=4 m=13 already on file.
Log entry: h=10 m=33
